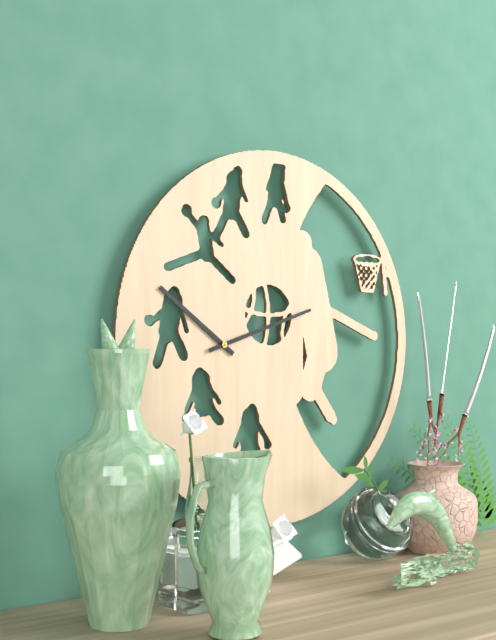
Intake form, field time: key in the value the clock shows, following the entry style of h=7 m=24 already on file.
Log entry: h=10 m=12
